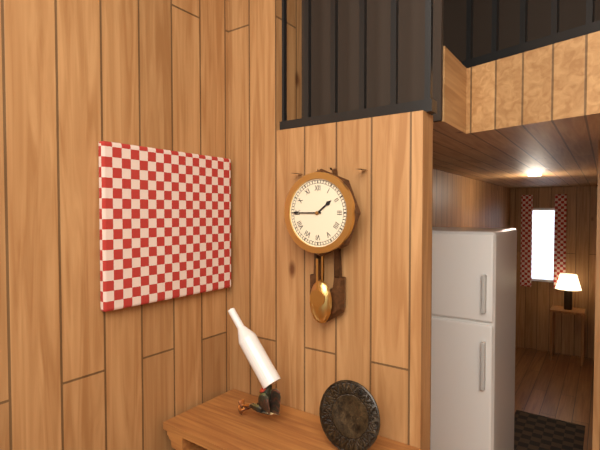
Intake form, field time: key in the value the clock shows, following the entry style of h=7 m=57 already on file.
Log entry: h=1 m=45
